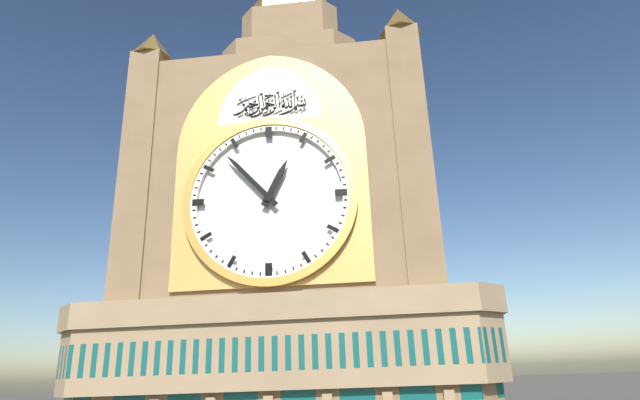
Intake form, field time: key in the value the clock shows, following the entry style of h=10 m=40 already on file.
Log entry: h=12 m=53
